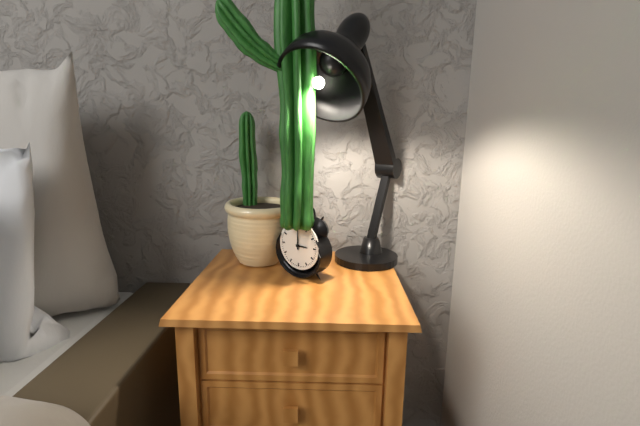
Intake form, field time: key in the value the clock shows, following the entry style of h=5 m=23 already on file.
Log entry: h=3 m=0
